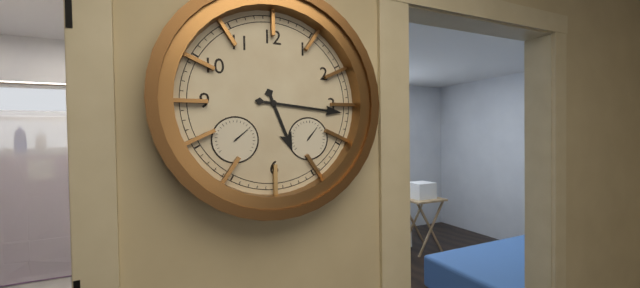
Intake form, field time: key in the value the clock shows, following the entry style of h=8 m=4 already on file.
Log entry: h=5 m=16
